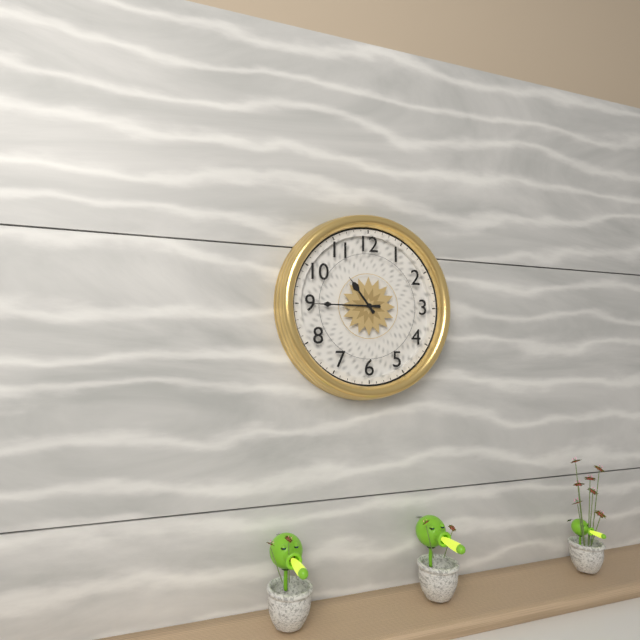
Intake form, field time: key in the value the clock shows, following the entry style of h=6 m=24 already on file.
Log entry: h=10 m=45
